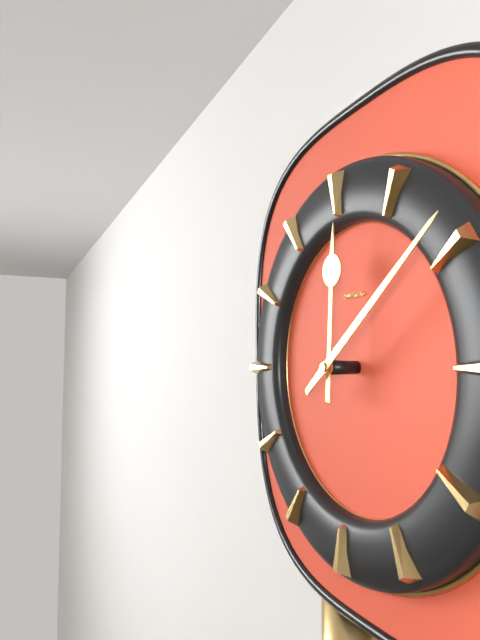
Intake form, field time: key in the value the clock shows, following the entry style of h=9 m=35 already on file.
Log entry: h=12 m=9
